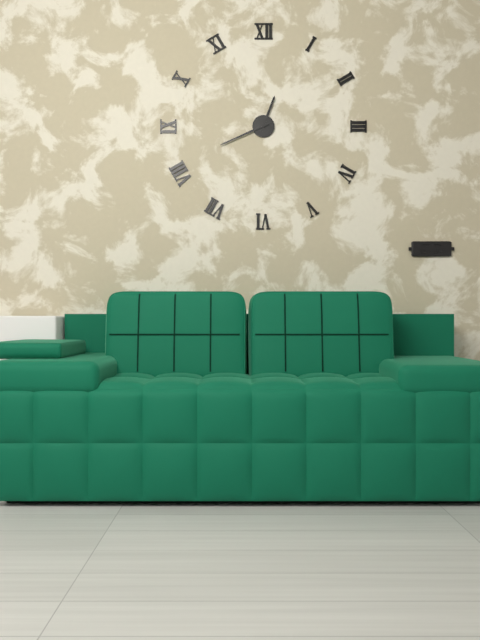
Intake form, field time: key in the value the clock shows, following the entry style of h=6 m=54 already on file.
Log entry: h=12 m=41
